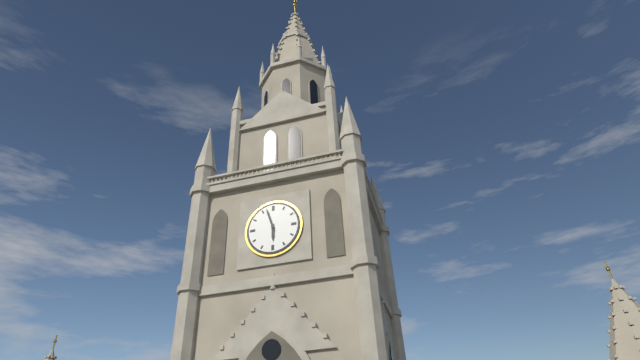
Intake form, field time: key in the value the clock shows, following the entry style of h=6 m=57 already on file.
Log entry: h=5 m=57
